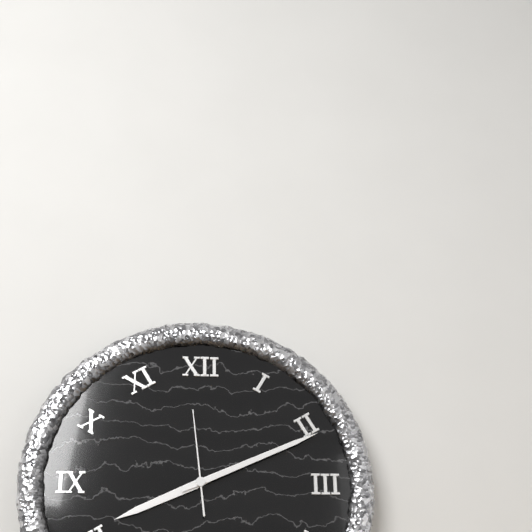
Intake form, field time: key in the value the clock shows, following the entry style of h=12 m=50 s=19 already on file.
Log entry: h=8 m=11 s=59
